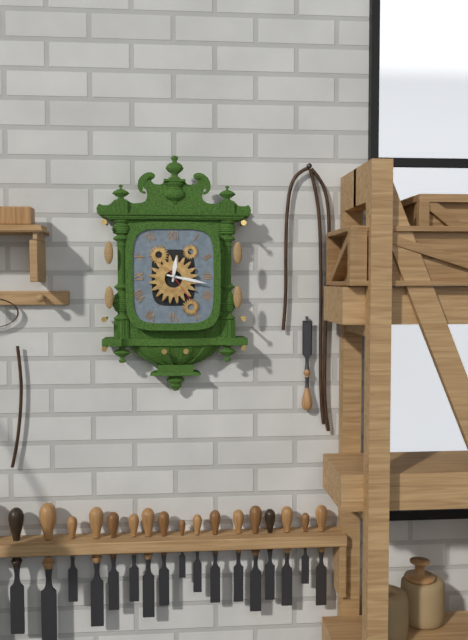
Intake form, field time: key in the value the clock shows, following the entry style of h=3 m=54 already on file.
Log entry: h=12 m=17
